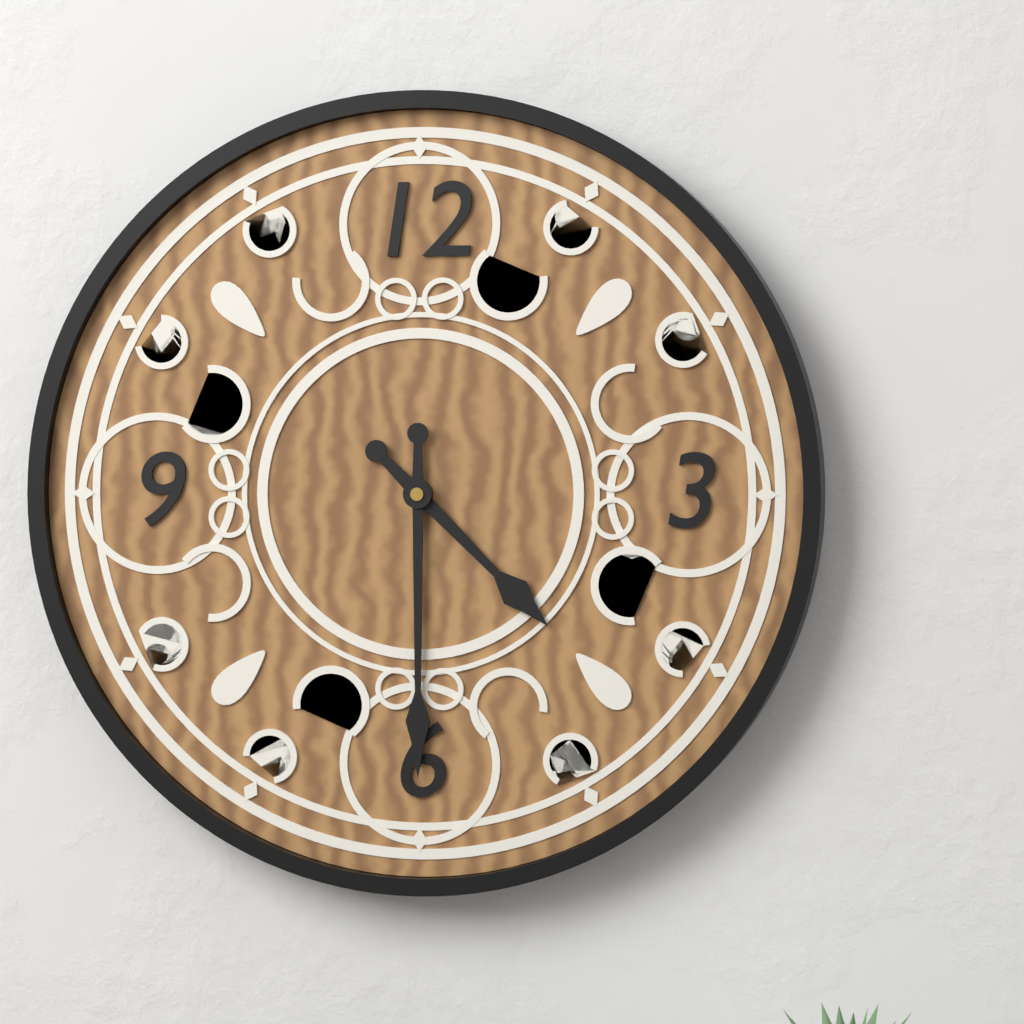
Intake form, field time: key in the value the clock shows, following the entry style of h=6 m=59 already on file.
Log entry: h=4 m=30
